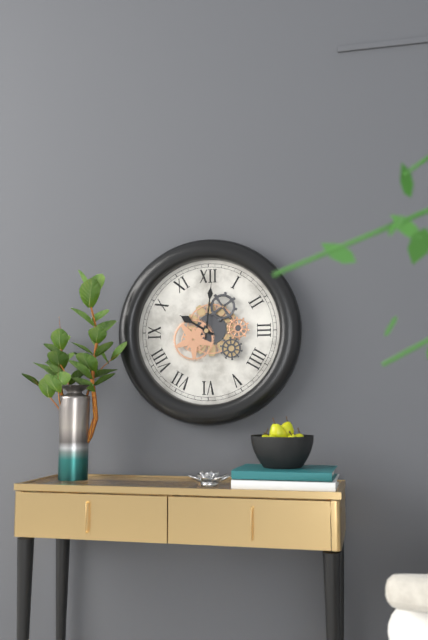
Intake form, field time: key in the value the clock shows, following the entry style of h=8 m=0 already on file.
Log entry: h=10 m=1
